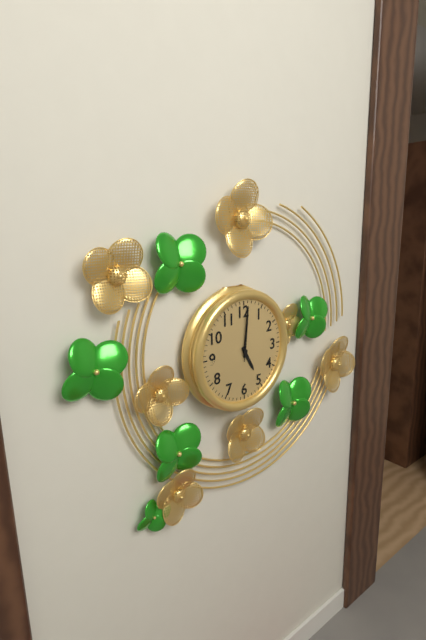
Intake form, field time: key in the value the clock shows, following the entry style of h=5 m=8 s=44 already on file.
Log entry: h=5 m=1 s=1
